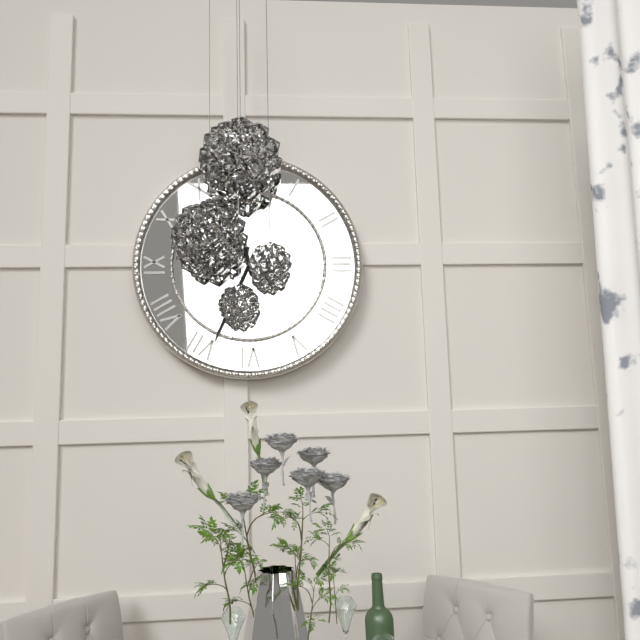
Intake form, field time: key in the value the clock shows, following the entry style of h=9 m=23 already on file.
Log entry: h=11 m=34
